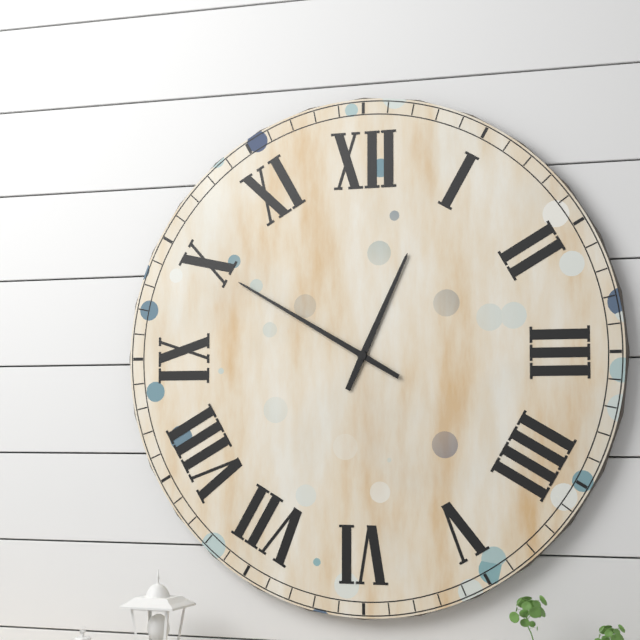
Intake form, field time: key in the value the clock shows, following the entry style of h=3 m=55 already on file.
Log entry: h=12 m=50
